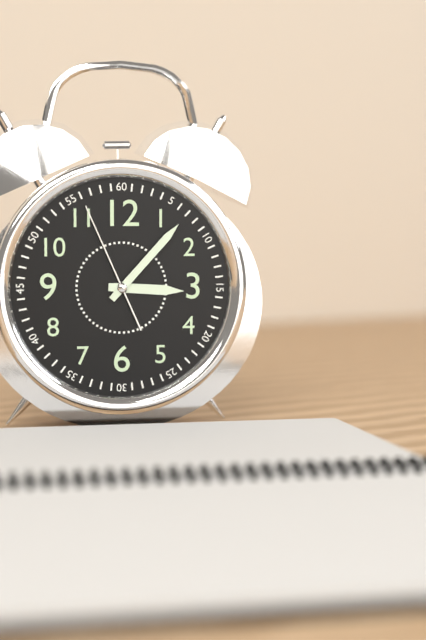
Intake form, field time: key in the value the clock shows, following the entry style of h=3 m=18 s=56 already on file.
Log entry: h=3 m=7 s=56
